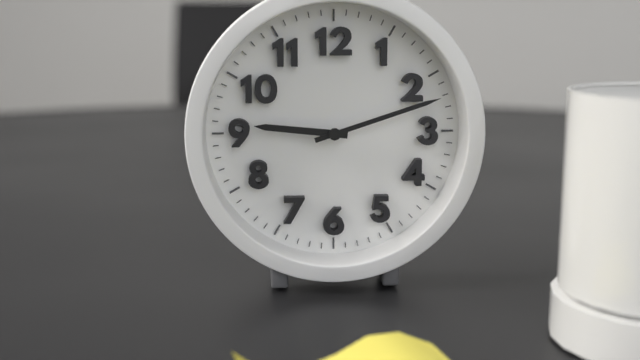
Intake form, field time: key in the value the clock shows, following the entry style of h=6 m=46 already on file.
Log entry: h=9 m=12
